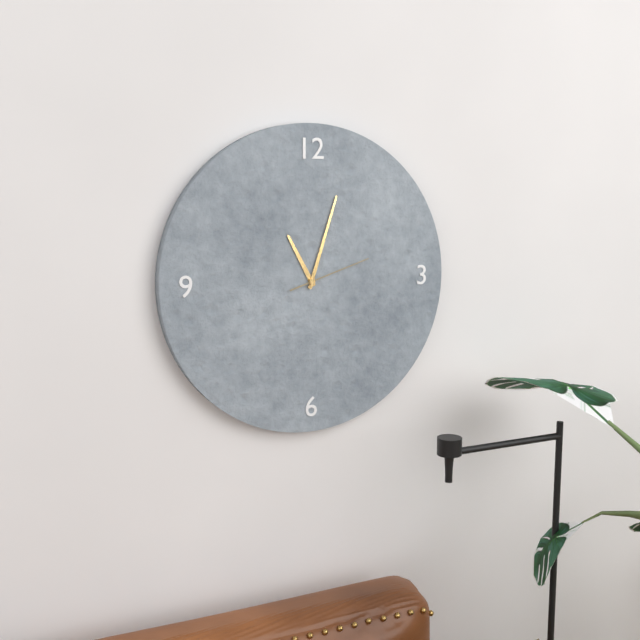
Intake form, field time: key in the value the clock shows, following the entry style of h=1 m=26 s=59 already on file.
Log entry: h=11 m=3 s=12
